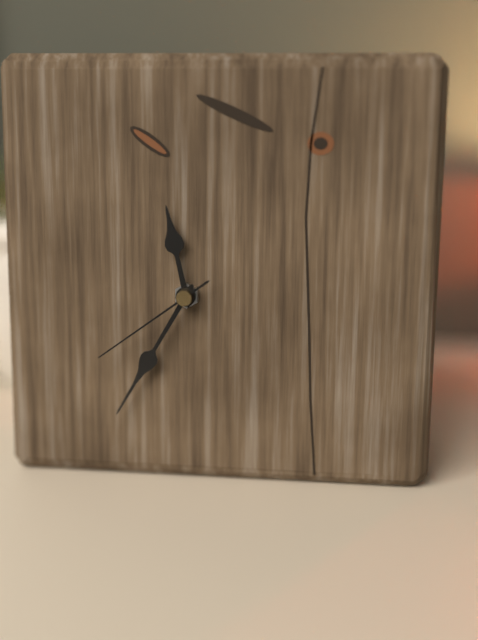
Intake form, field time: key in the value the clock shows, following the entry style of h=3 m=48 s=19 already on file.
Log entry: h=11 m=35 s=39
